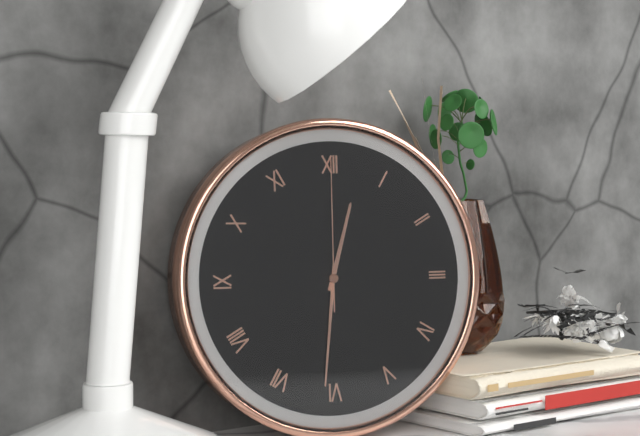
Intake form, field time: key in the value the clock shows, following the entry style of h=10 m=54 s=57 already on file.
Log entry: h=12 m=31 s=0
